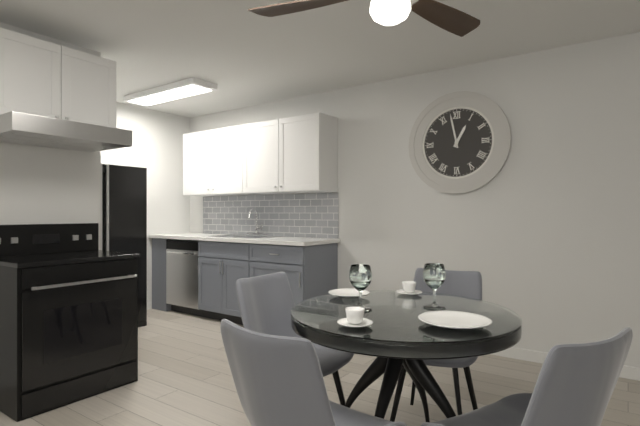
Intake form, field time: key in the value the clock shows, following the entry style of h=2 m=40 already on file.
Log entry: h=12 m=58
